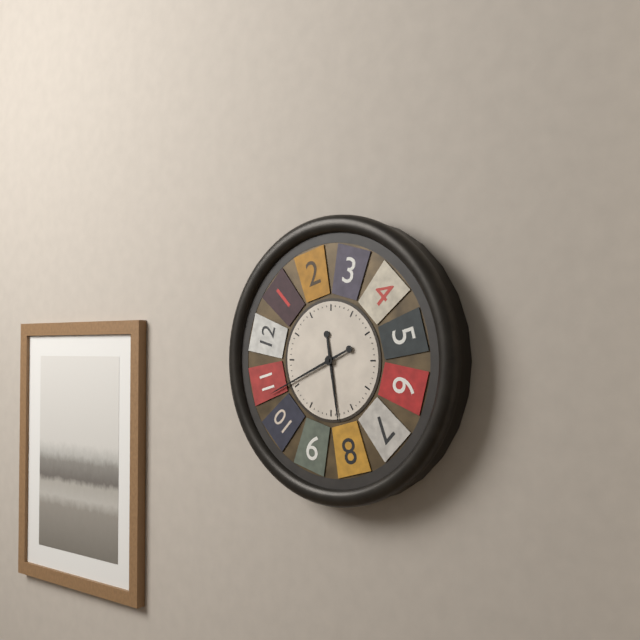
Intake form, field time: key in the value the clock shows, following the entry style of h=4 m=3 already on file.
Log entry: h=5 m=41
